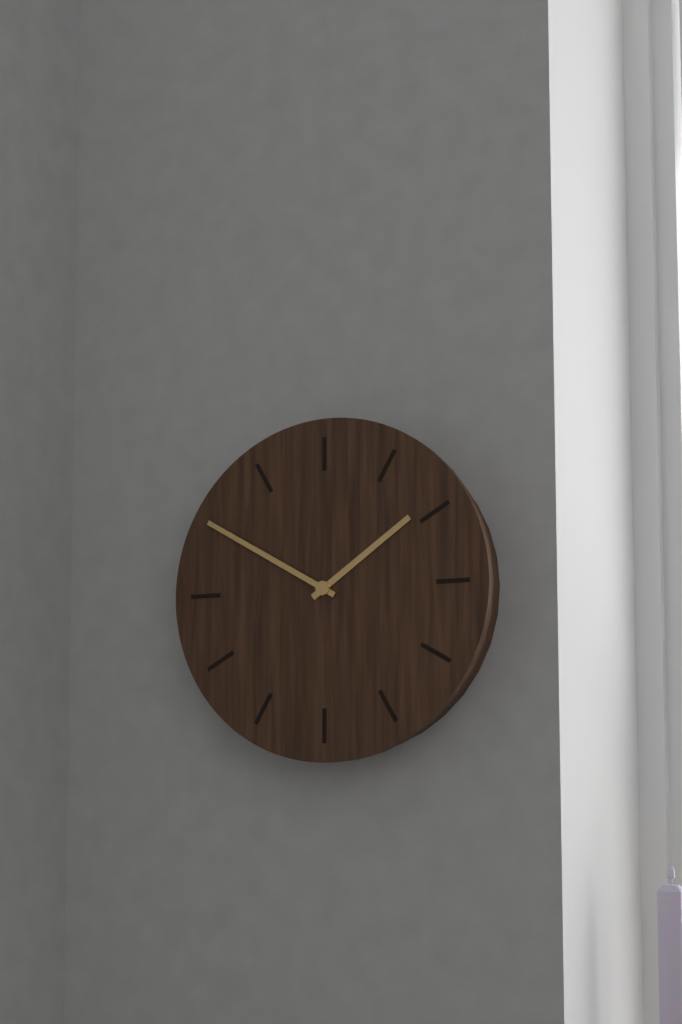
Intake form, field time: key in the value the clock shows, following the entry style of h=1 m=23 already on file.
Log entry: h=1 m=50
